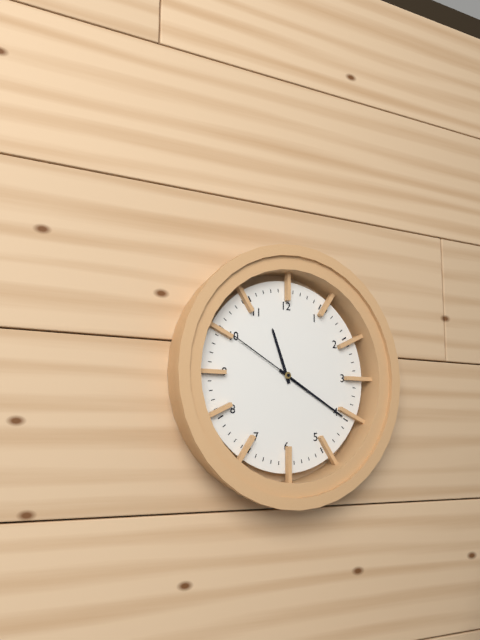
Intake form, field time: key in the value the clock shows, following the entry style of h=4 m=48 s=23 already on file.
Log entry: h=11 m=20 s=50
